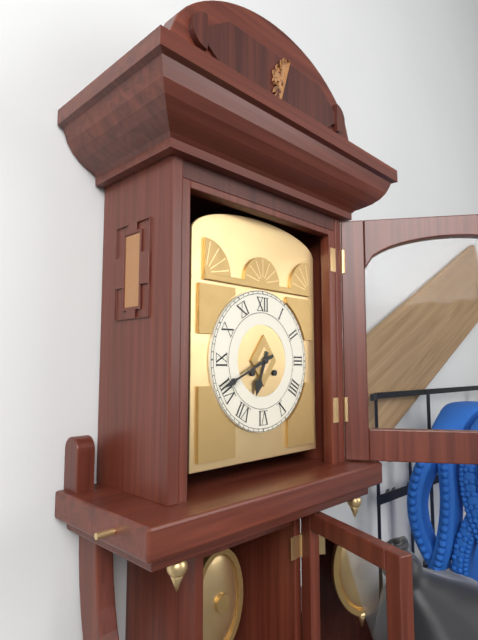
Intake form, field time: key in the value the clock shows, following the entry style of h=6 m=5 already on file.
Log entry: h=6 m=41
